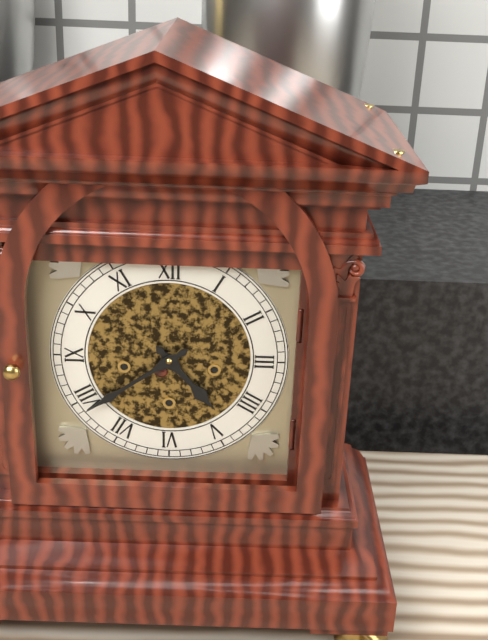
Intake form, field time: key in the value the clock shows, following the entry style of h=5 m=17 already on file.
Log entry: h=4 m=39
